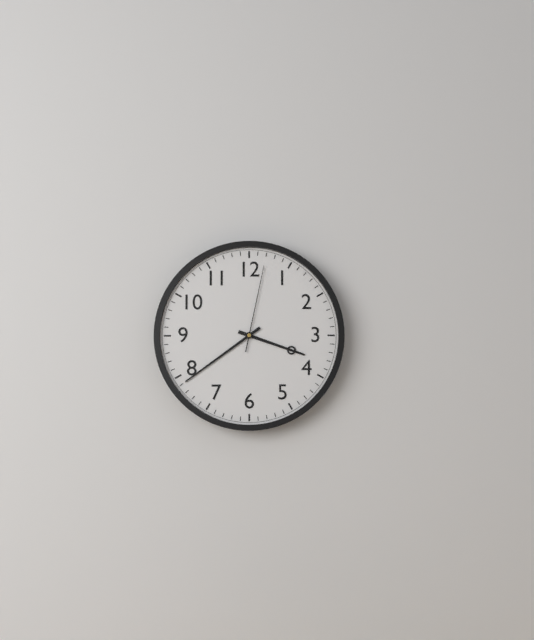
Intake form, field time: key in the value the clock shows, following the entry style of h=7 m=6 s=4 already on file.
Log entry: h=3 m=39 s=2
